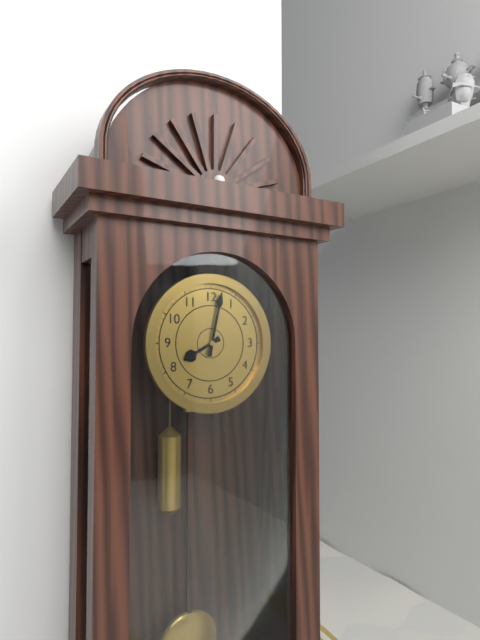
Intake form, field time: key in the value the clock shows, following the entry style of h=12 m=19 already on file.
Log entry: h=8 m=2
